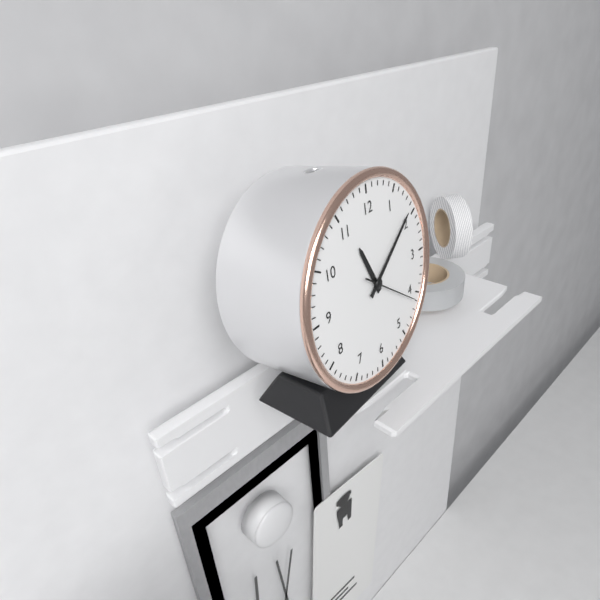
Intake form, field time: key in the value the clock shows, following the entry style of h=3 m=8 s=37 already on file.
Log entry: h=11 m=9 s=21
